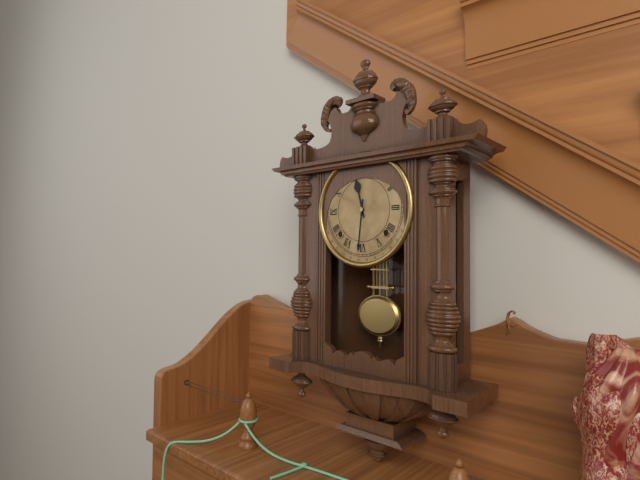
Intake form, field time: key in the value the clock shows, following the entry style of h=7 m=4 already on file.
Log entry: h=11 m=31
